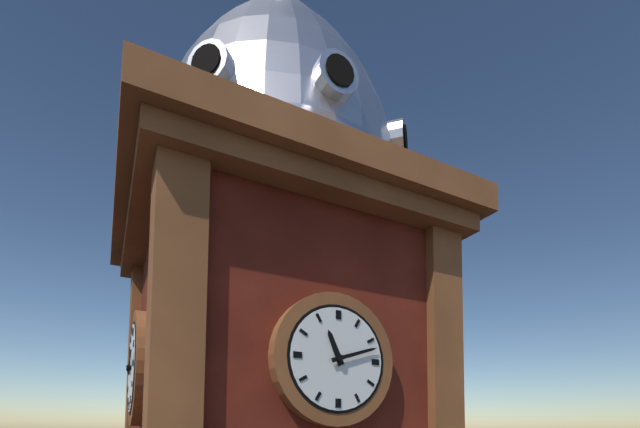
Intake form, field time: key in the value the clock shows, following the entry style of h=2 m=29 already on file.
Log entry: h=11 m=12
